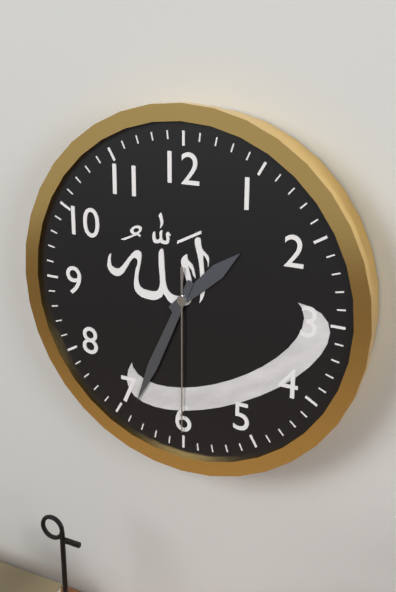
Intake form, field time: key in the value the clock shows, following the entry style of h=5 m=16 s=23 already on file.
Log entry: h=1 m=34 s=30
